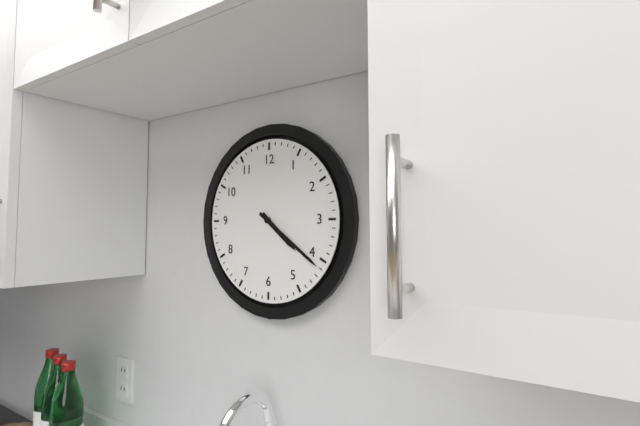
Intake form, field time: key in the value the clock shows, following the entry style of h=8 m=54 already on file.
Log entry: h=4 m=21
